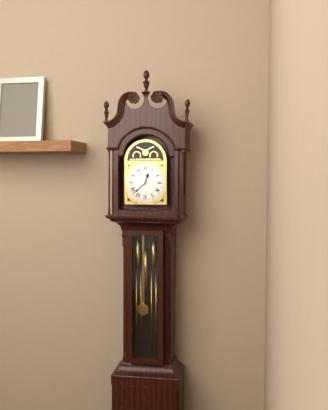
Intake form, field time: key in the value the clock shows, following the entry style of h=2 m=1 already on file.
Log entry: h=12 m=38
